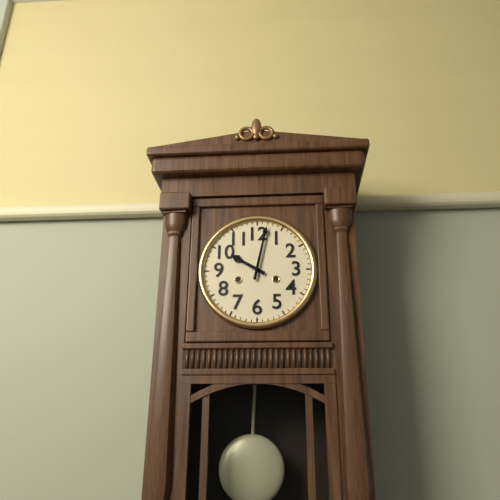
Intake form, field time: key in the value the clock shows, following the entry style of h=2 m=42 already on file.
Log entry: h=10 m=2
